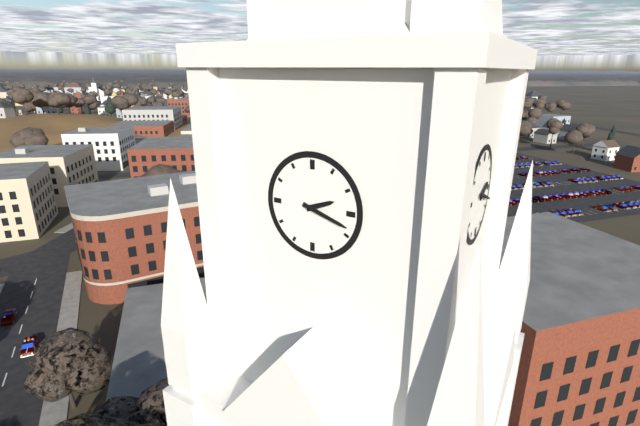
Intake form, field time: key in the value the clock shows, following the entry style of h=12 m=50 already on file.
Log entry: h=2 m=18
